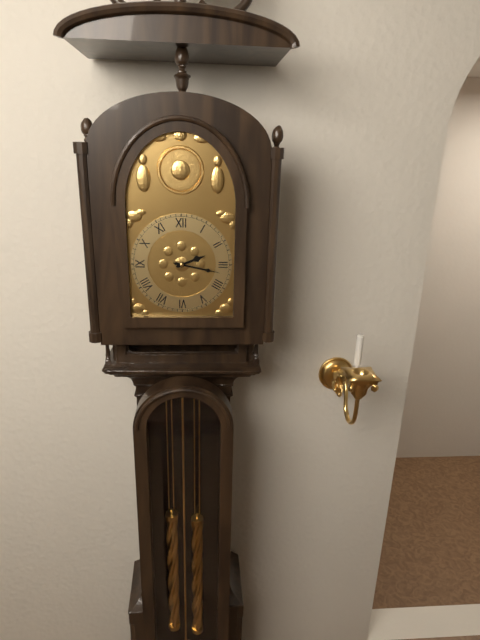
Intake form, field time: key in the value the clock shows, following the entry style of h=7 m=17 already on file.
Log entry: h=2 m=17
